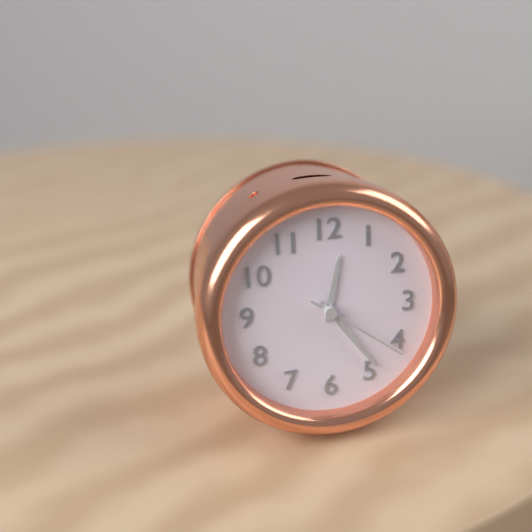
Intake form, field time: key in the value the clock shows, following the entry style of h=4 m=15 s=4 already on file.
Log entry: h=12 m=24 s=21
